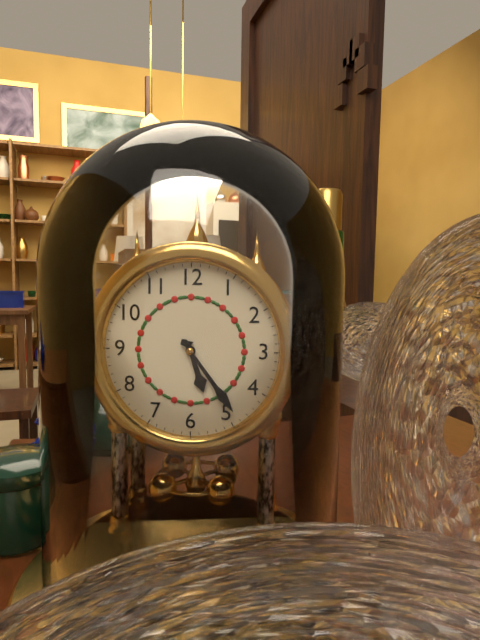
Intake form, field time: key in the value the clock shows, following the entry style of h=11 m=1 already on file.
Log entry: h=5 m=24
